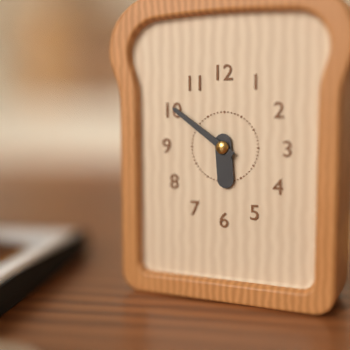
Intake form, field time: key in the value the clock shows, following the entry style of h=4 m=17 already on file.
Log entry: h=5 m=51
